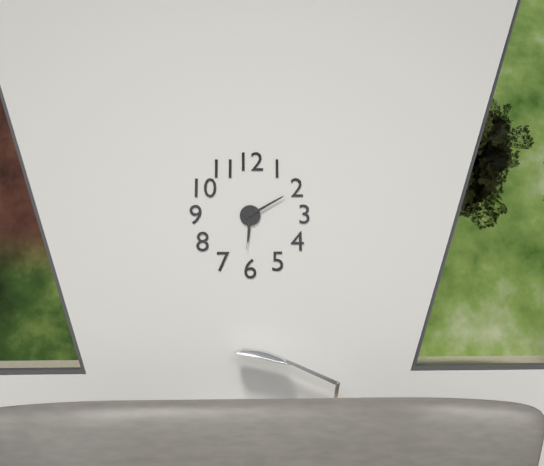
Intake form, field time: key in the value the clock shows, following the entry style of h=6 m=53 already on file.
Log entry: h=6 m=10
